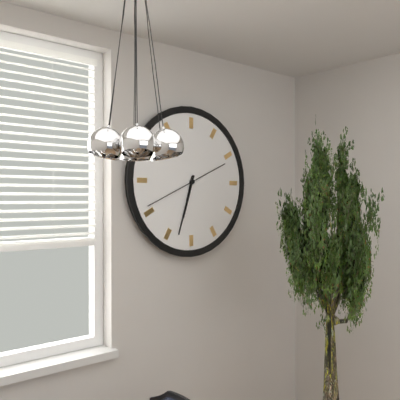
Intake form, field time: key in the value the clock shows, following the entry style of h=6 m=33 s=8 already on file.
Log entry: h=6 m=33 s=41
